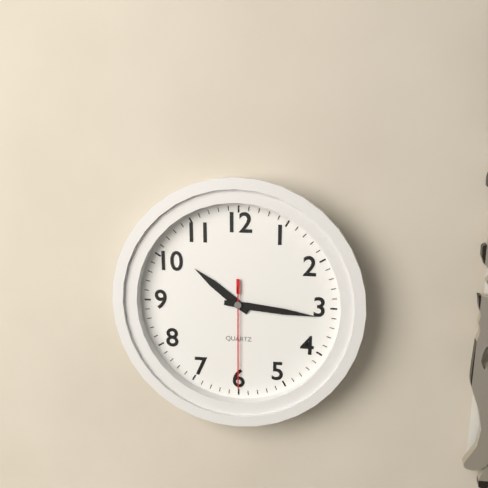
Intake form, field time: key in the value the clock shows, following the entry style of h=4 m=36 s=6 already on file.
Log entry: h=10 m=16 s=30
